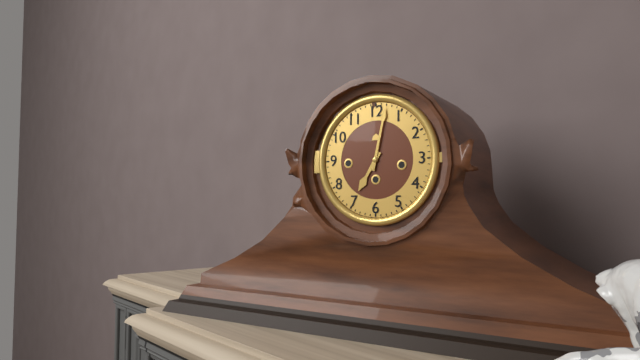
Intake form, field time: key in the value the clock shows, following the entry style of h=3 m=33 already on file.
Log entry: h=7 m=2
